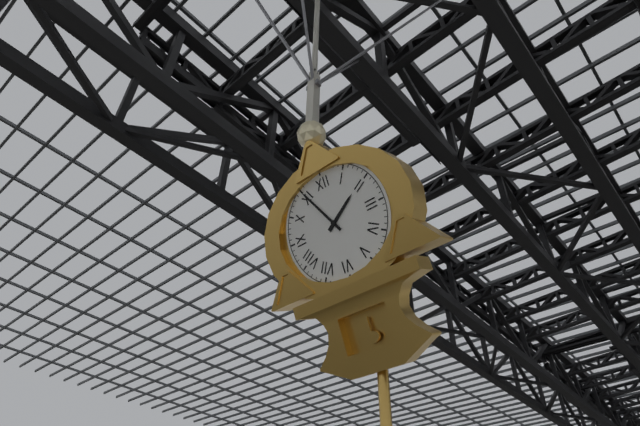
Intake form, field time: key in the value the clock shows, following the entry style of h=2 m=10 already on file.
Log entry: h=1 m=55
